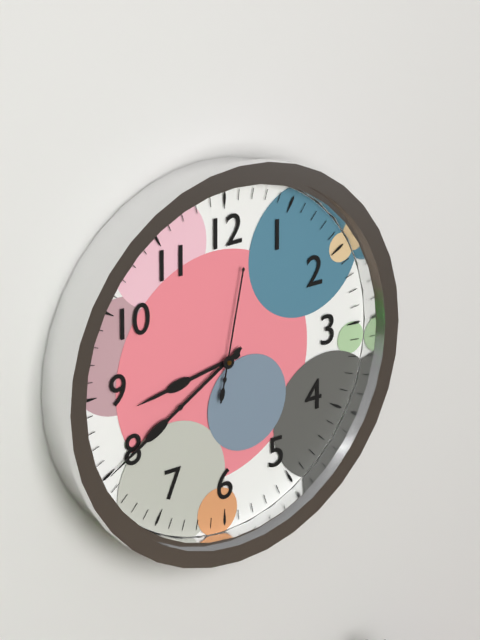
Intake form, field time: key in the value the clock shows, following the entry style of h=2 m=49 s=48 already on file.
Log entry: h=8 m=40 s=2
